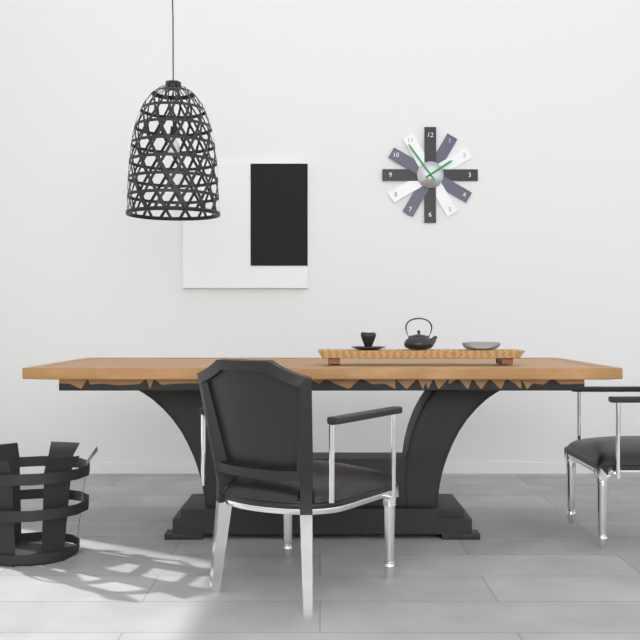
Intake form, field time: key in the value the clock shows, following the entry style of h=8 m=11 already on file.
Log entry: h=1 m=54
